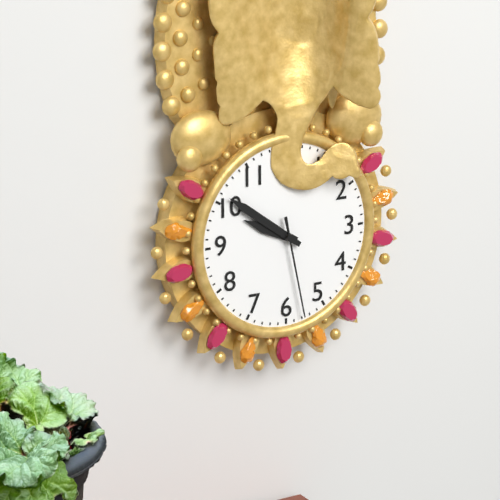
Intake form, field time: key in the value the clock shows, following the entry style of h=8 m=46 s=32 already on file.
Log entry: h=9 m=51 s=28
